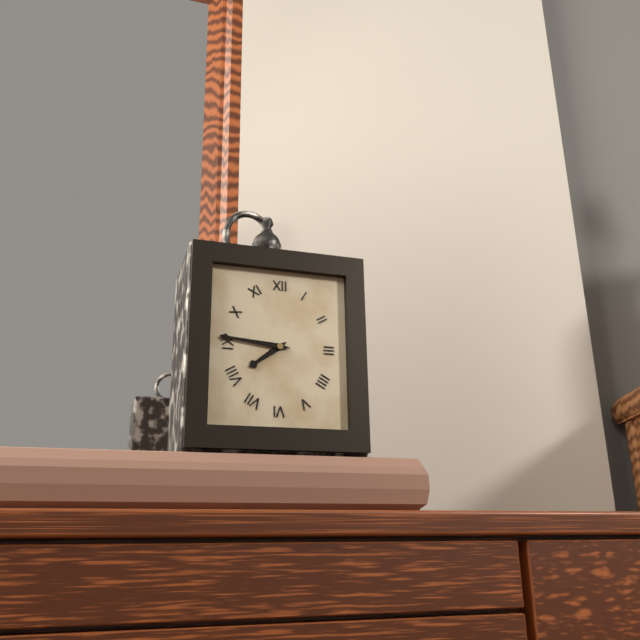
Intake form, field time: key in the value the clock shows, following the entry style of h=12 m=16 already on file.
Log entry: h=7 m=46
